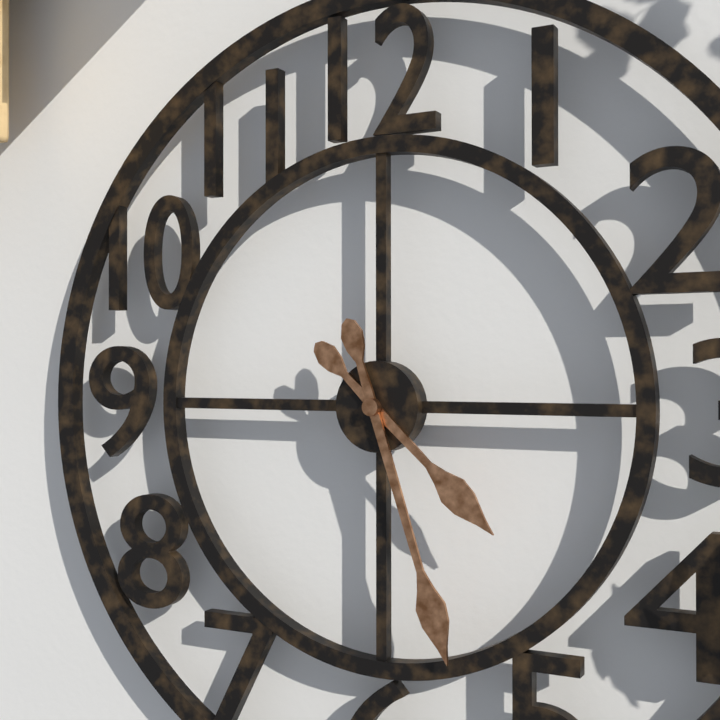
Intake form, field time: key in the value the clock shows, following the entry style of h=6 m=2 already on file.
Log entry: h=4 m=27
